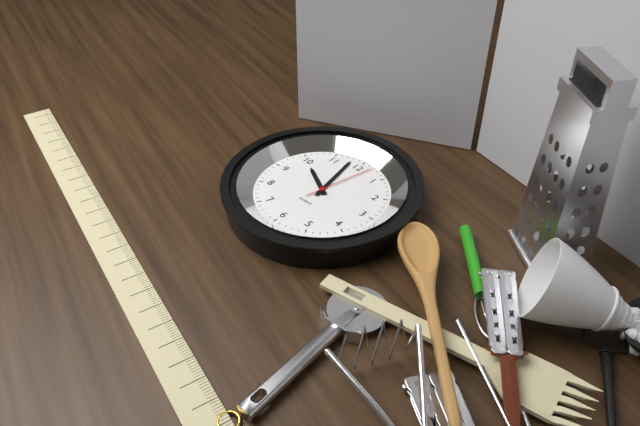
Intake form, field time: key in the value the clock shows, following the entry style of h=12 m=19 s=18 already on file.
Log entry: h=9 m=58 s=2
